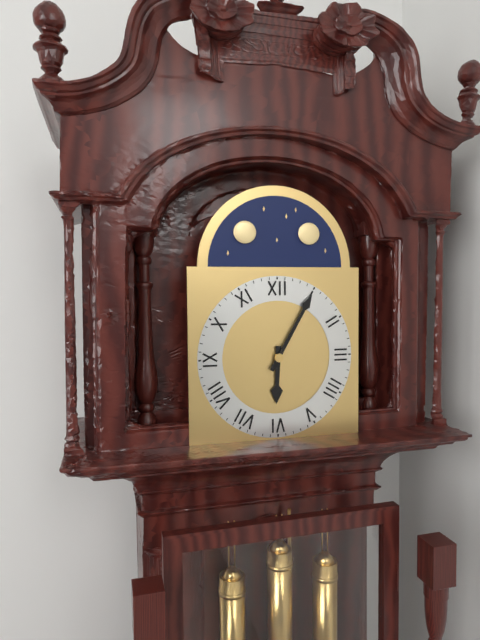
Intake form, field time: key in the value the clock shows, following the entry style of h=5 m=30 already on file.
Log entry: h=6 m=5
